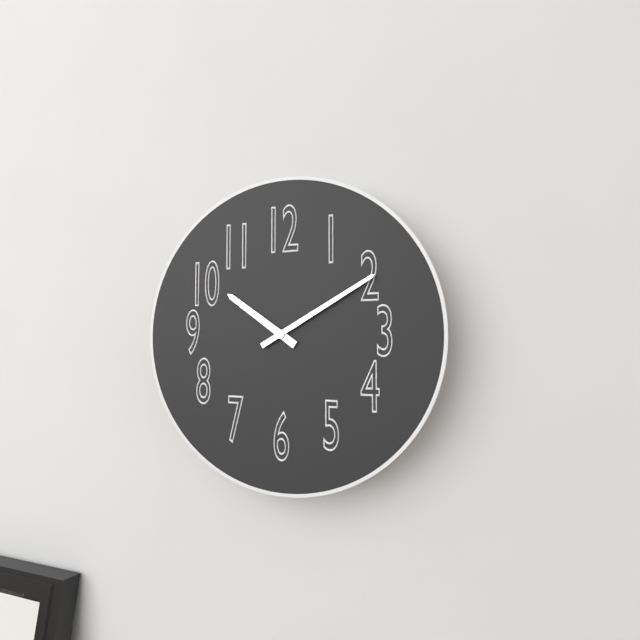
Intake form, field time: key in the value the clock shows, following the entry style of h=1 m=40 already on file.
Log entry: h=10 m=10
